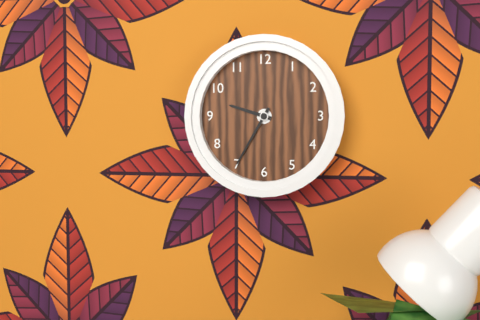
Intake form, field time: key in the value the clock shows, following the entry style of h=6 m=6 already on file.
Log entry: h=9 m=35
